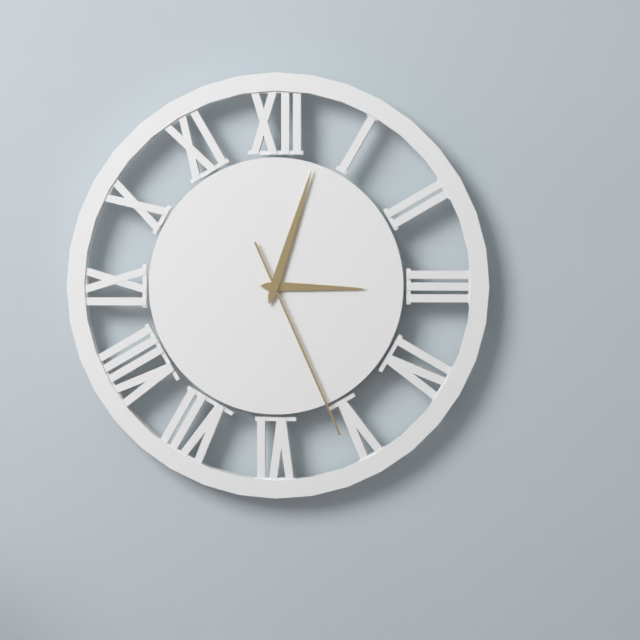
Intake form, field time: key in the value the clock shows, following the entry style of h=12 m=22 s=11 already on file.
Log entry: h=3 m=3 s=26
